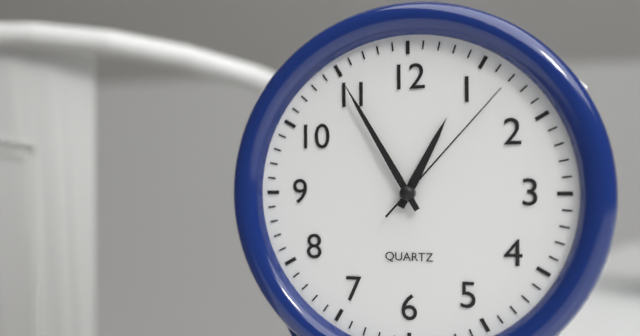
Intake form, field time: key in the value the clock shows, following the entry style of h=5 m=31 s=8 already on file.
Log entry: h=12 m=55 s=7
